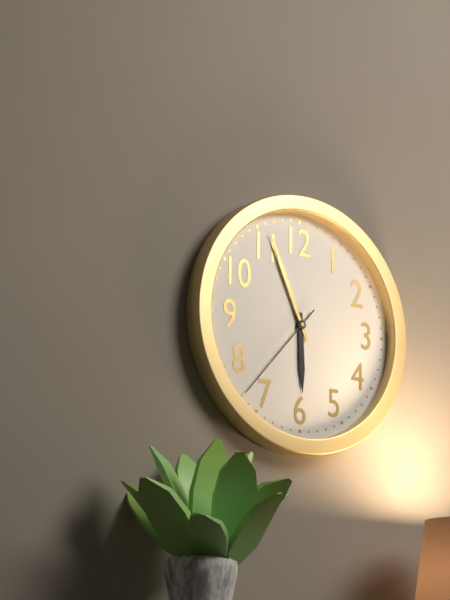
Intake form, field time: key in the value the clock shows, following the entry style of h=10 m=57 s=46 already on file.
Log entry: h=5 m=56 s=37
